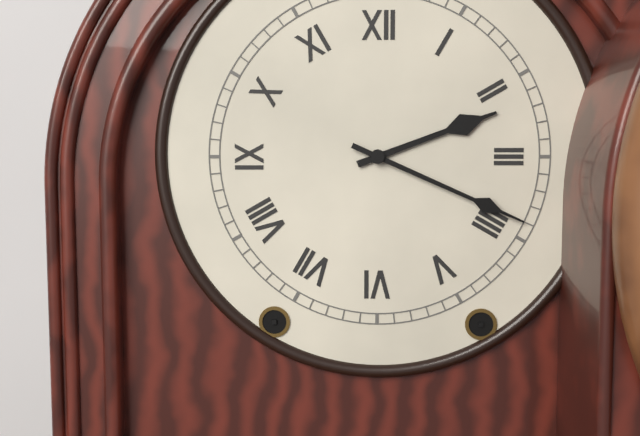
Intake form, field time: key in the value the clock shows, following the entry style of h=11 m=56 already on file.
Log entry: h=2 m=19
